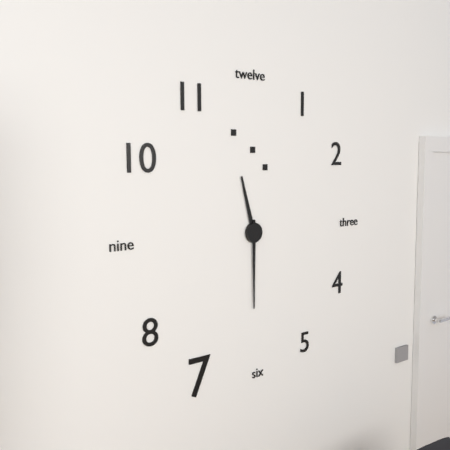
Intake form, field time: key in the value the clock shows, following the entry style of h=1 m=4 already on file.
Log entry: h=11 m=30
